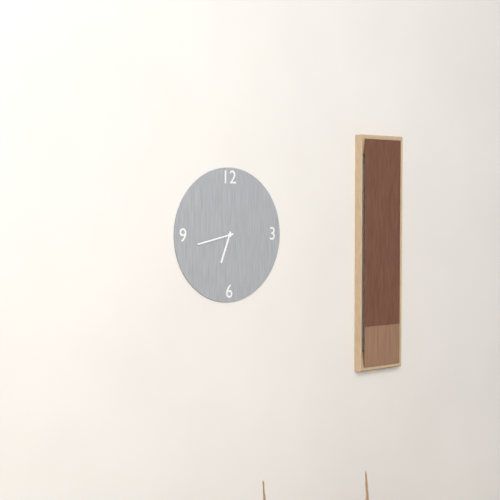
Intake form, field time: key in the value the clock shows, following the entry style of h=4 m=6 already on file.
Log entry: h=6 m=43
